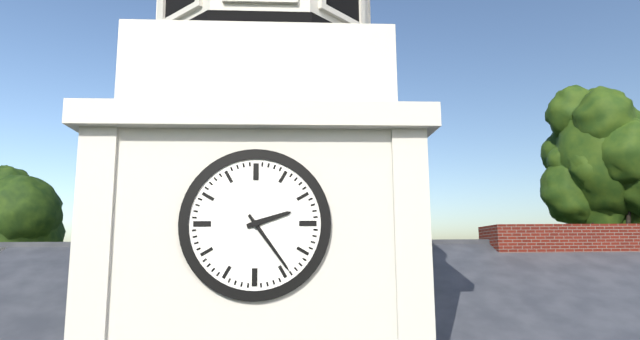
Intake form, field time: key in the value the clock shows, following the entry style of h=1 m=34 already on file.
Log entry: h=2 m=24
